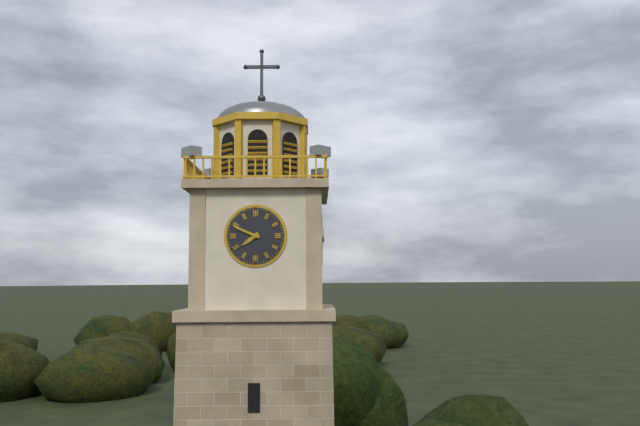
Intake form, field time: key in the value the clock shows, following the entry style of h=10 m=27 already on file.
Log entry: h=7 m=49
